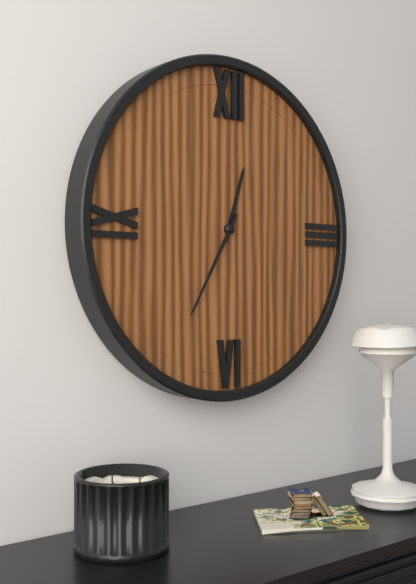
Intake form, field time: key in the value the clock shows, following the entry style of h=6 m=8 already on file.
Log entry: h=12 m=35
